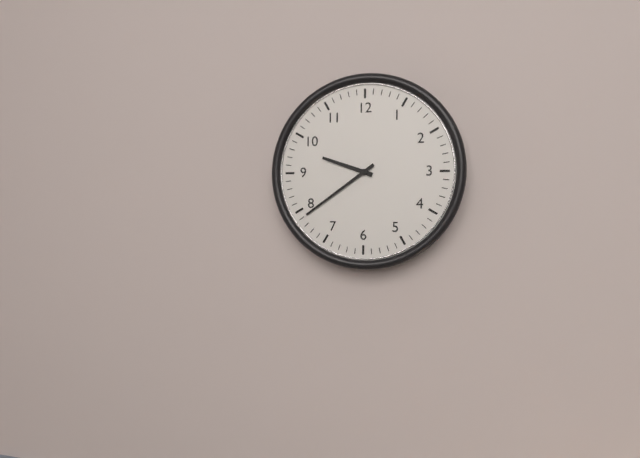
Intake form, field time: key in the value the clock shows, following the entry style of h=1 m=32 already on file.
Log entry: h=9 m=39
